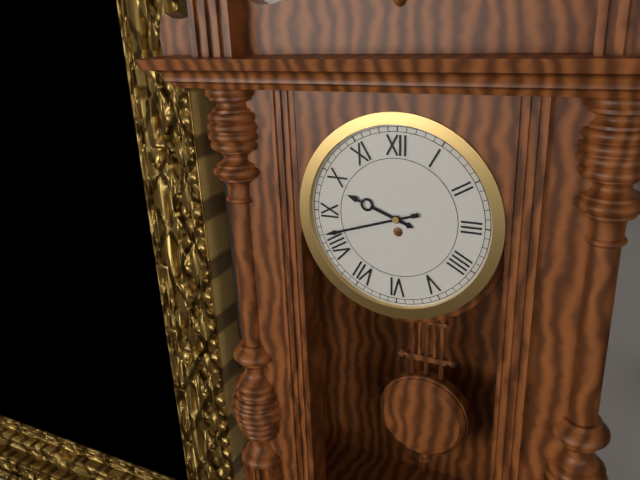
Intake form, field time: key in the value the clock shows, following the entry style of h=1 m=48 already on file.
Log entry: h=9 m=42
